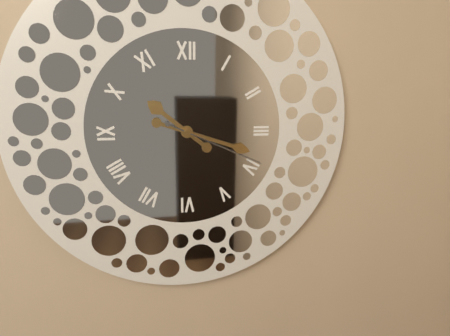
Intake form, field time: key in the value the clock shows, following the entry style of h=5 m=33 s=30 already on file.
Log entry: h=10 m=18 s=19
